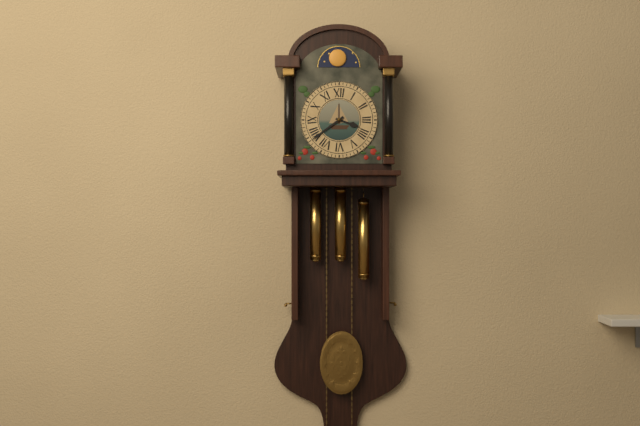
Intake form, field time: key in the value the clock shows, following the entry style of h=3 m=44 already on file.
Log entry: h=3 m=39
